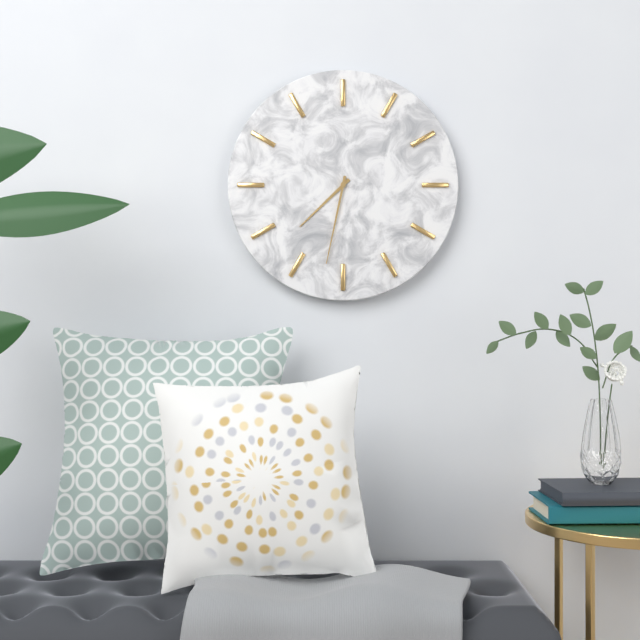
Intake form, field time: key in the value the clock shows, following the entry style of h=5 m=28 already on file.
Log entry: h=7 m=32
